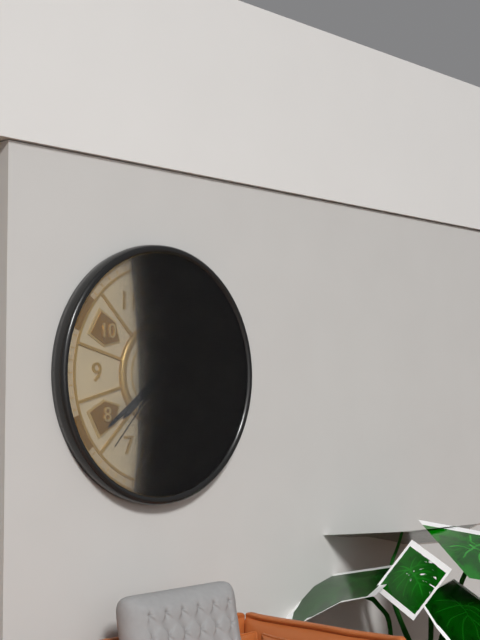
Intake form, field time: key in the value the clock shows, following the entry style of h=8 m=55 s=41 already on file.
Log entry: h=7 m=39 s=37
